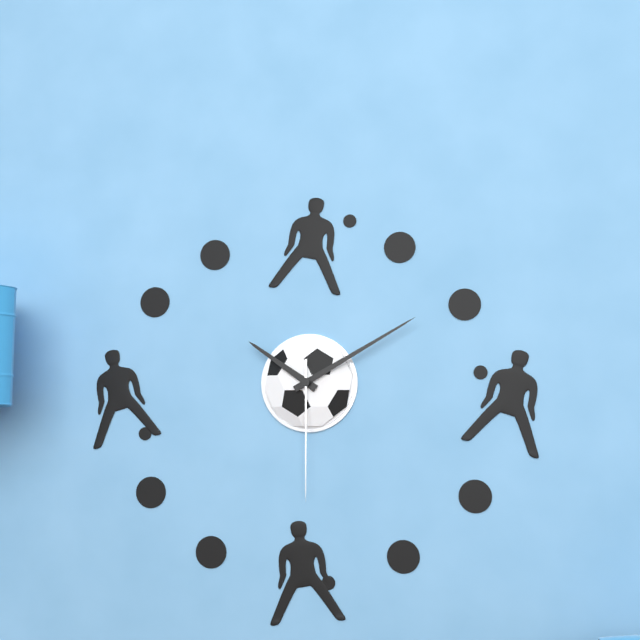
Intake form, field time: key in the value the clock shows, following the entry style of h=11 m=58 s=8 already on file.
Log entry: h=10 m=10 s=30
